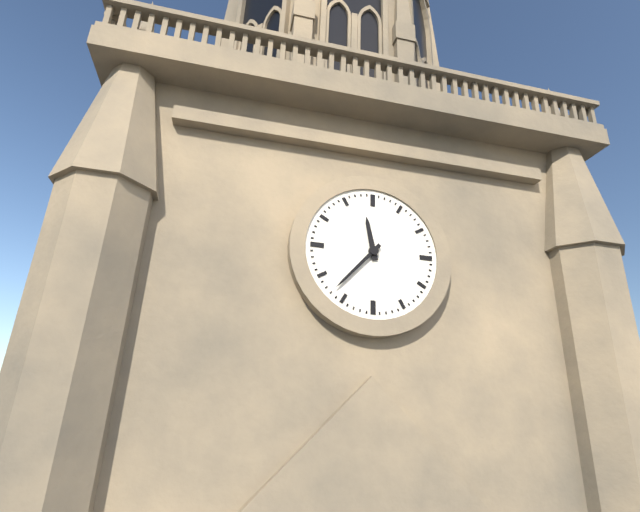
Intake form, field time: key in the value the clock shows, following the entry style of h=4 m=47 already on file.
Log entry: h=11 m=37
